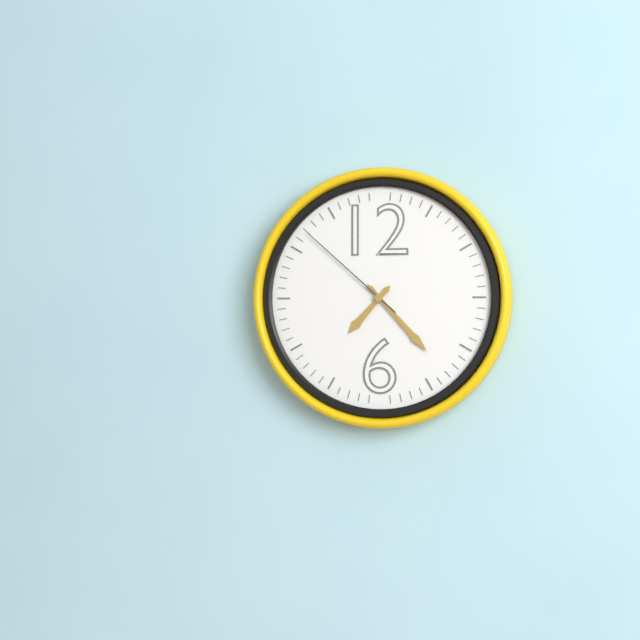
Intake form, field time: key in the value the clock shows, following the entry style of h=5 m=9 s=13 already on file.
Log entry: h=7 m=23 s=52
